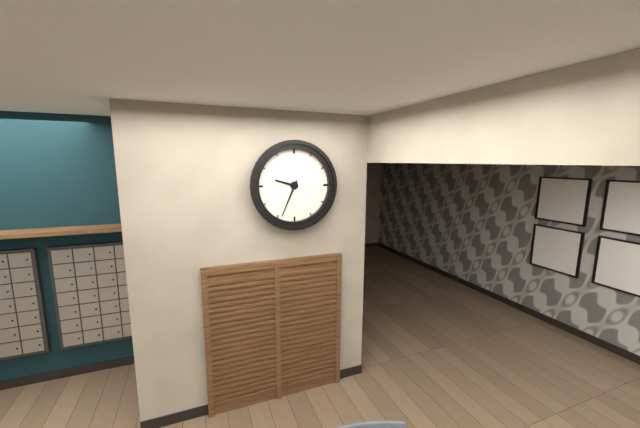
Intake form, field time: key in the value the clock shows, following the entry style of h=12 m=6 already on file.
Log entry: h=9 m=34
